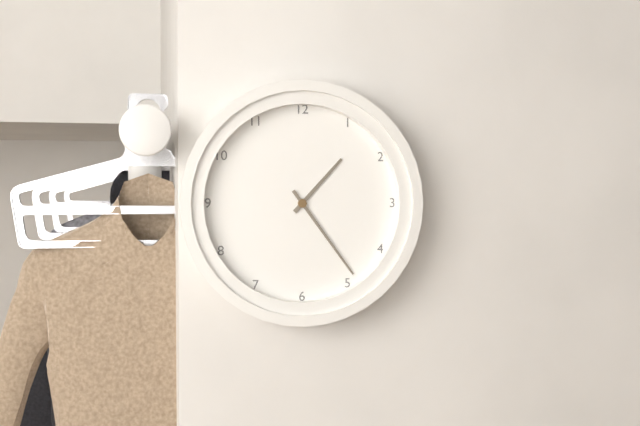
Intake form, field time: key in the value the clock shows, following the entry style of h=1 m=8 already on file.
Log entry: h=1 m=24
